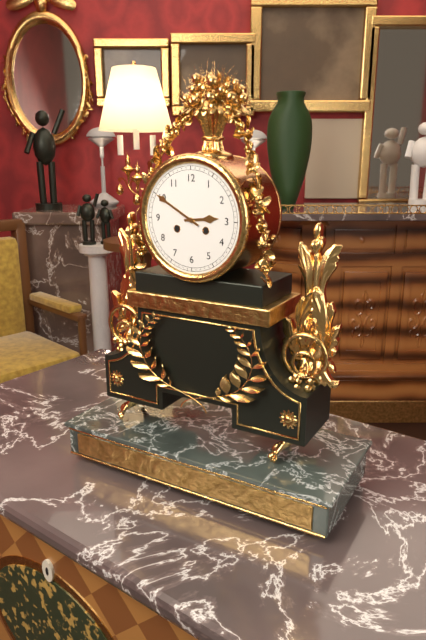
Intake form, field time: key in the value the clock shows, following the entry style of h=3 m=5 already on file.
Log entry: h=2 m=50
